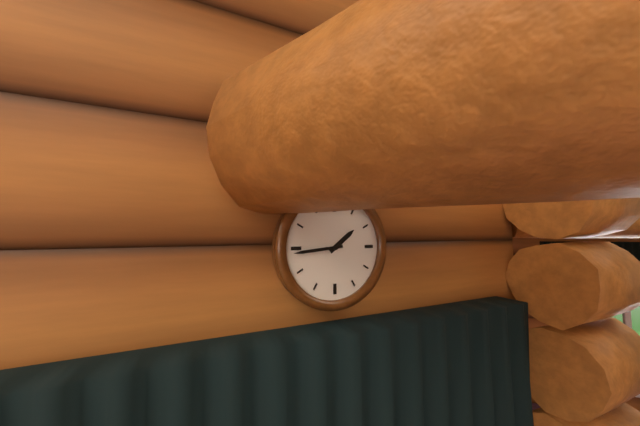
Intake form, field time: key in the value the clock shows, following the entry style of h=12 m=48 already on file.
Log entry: h=1 m=44
